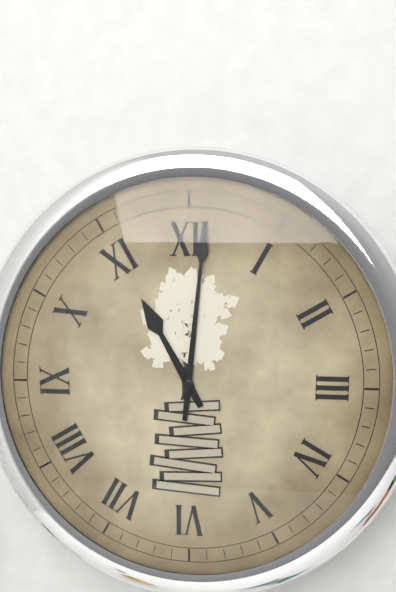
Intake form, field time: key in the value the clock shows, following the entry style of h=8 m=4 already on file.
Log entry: h=11 m=1
